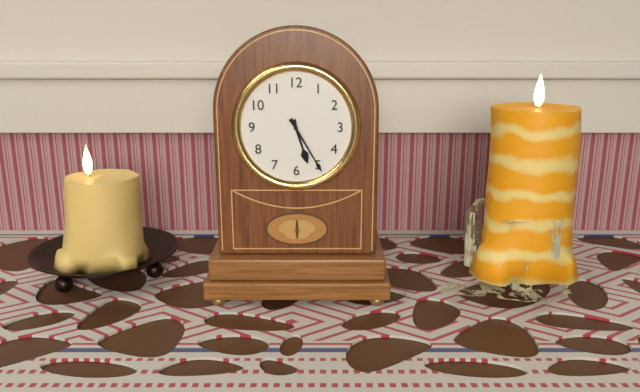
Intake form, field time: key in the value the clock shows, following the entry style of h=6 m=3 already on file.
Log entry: h=5 m=25
